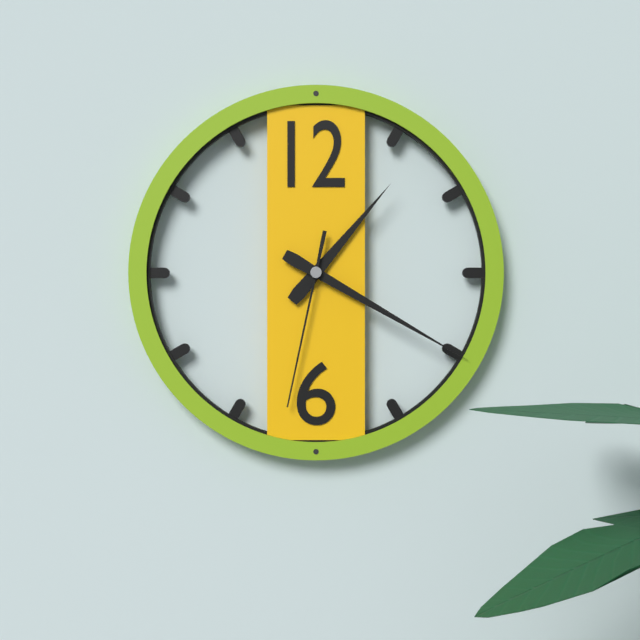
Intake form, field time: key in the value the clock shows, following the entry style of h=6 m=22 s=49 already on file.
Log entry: h=1 m=20 s=32
